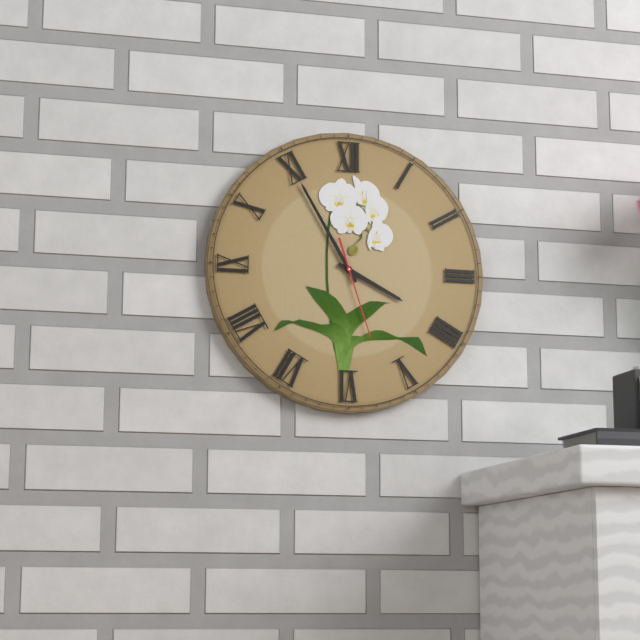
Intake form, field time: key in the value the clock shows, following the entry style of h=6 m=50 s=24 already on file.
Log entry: h=3 m=55 s=27
